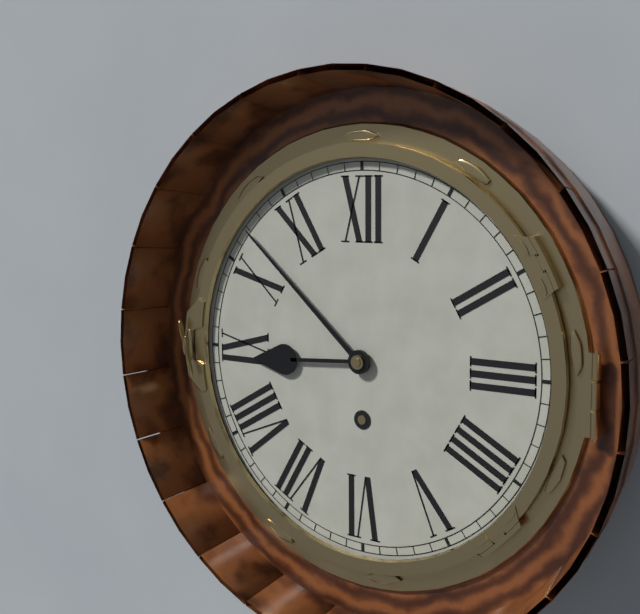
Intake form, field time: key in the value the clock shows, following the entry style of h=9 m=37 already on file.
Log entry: h=8 m=52
